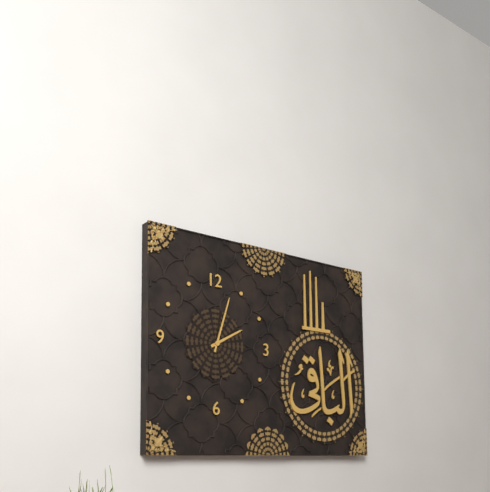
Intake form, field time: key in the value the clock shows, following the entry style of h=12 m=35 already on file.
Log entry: h=2 m=3
